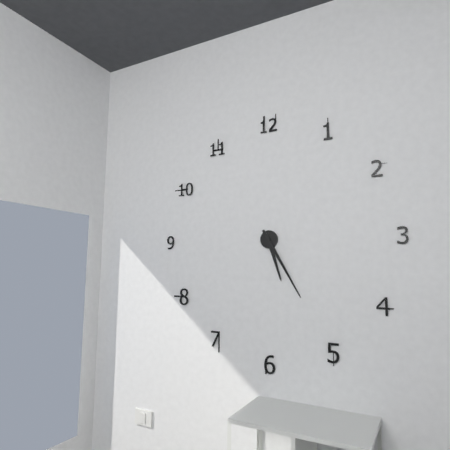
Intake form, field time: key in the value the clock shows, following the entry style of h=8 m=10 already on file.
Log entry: h=5 m=25
